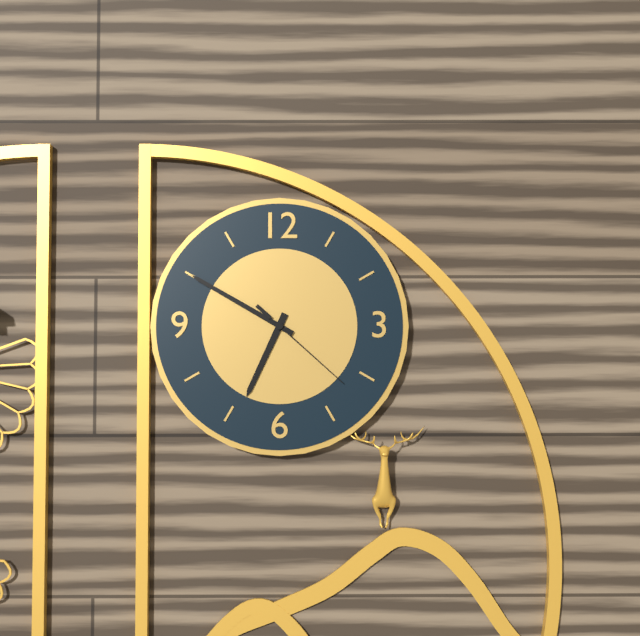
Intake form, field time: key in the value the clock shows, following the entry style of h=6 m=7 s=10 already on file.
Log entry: h=6 m=50 s=22
